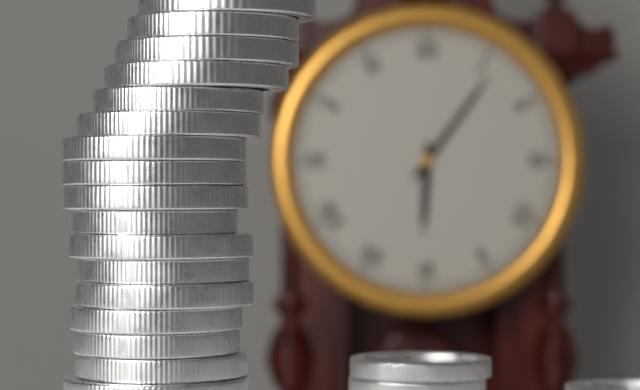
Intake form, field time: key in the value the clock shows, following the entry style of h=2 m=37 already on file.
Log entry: h=6 m=6
